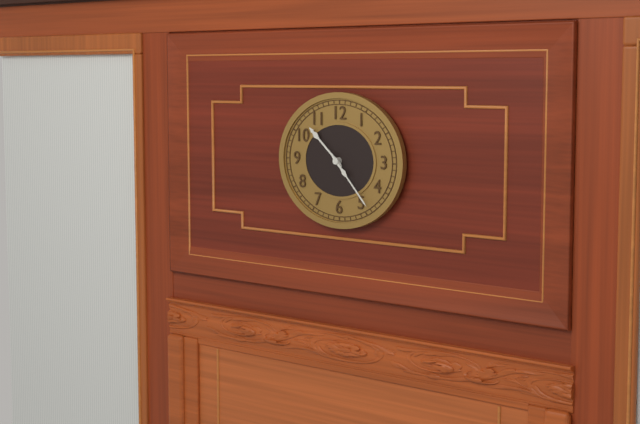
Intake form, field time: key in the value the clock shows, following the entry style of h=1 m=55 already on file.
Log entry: h=10 m=23
